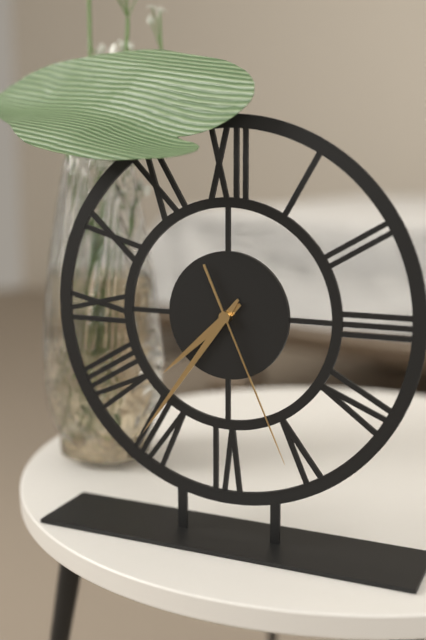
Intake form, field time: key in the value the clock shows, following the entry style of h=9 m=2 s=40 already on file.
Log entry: h=7 m=36 s=26
